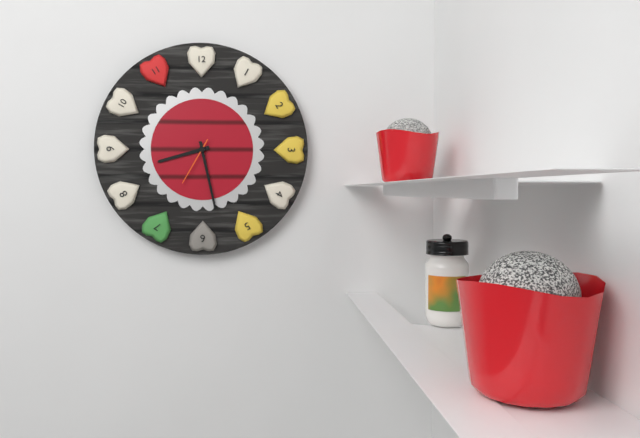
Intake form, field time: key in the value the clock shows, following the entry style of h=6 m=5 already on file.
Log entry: h=8 m=28
